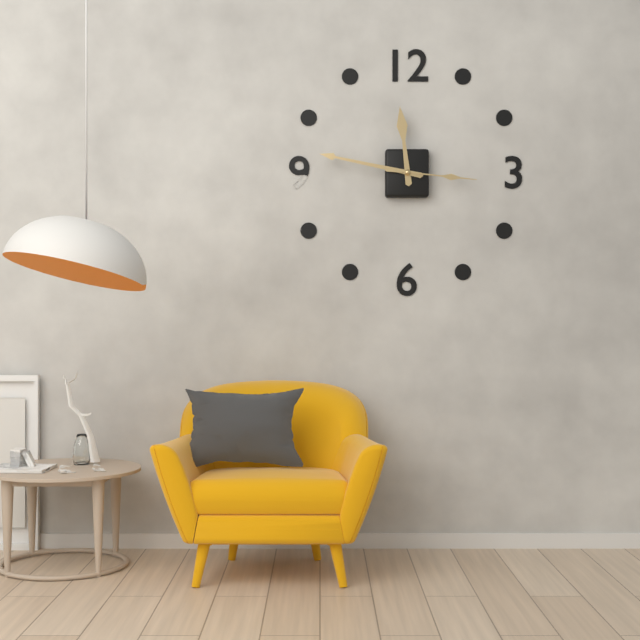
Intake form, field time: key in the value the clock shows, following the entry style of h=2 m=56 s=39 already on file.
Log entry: h=11 m=47 s=16
